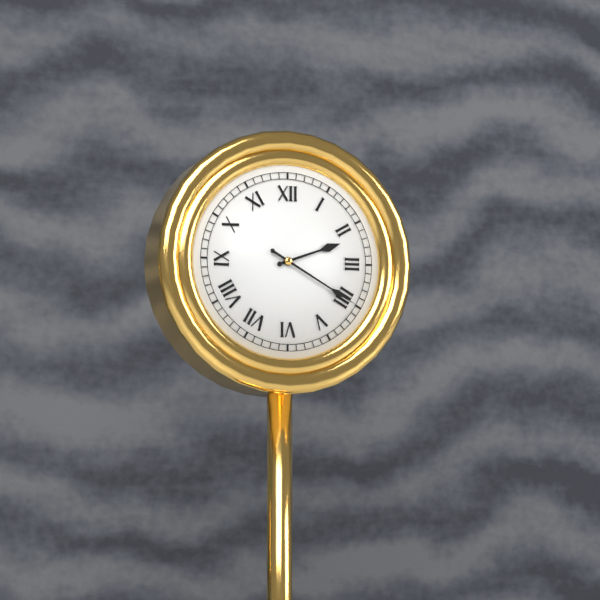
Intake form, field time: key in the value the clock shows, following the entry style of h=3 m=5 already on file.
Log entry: h=2 m=20
